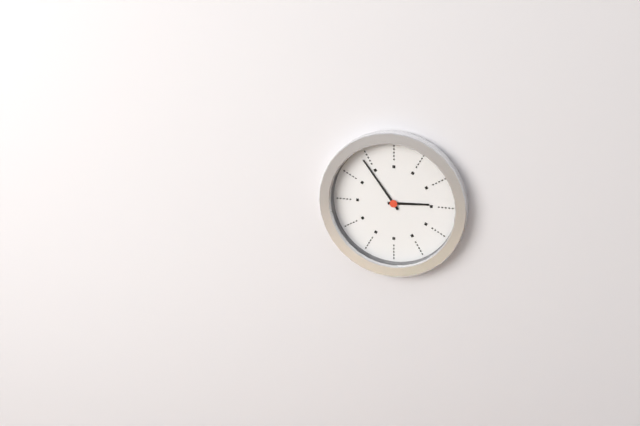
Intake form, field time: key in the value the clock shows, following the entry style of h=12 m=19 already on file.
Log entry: h=2 m=54
